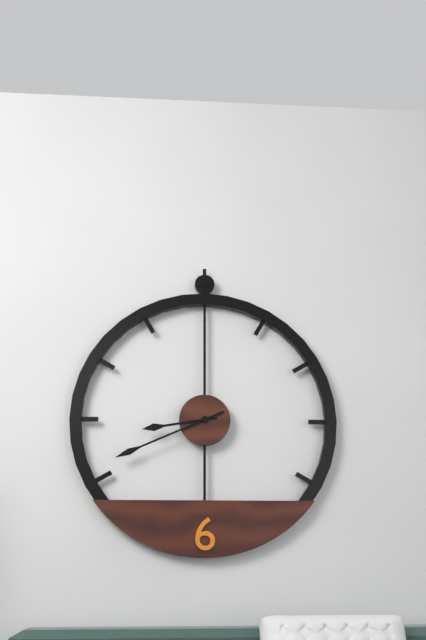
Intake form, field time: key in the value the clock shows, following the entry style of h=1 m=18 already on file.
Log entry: h=8 m=41
